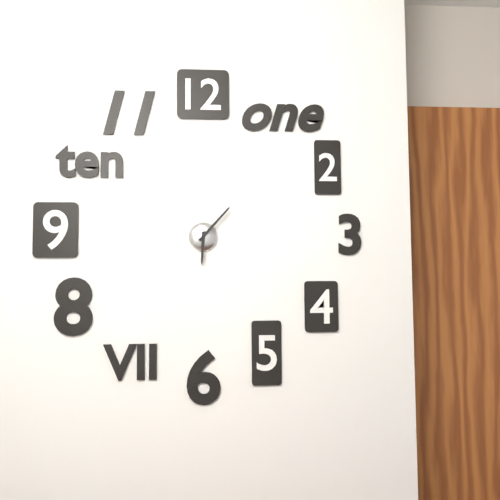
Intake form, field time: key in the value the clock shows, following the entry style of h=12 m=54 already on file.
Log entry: h=6 m=7
